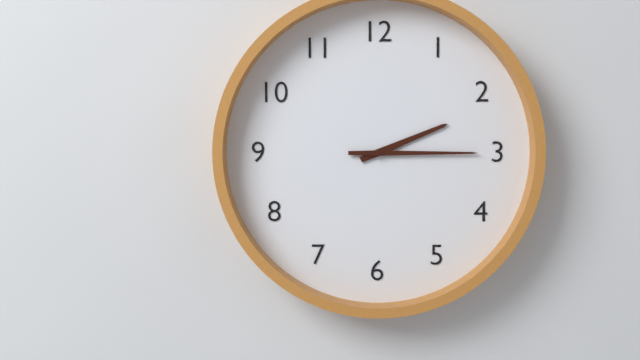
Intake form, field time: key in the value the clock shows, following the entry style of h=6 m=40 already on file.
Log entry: h=2 m=15
